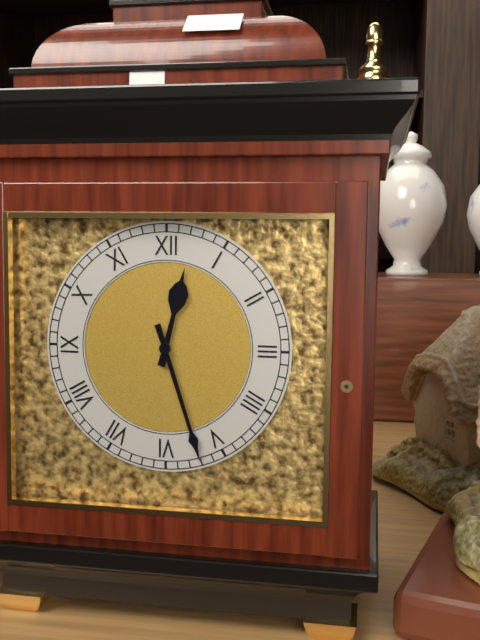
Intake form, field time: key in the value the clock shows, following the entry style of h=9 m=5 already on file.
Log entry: h=12 m=27
